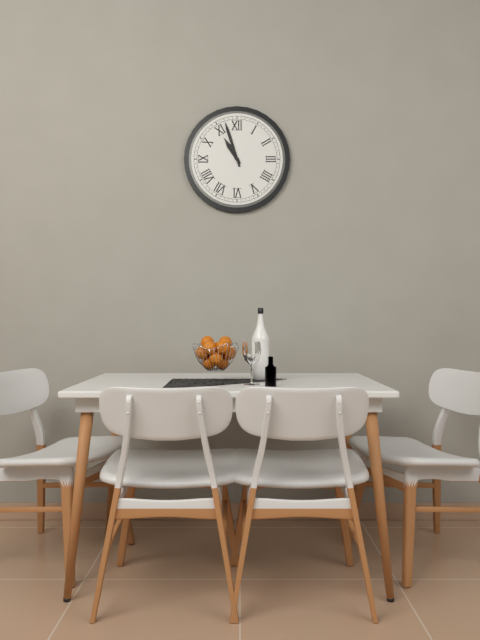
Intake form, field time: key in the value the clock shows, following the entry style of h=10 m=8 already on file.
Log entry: h=10 m=57
